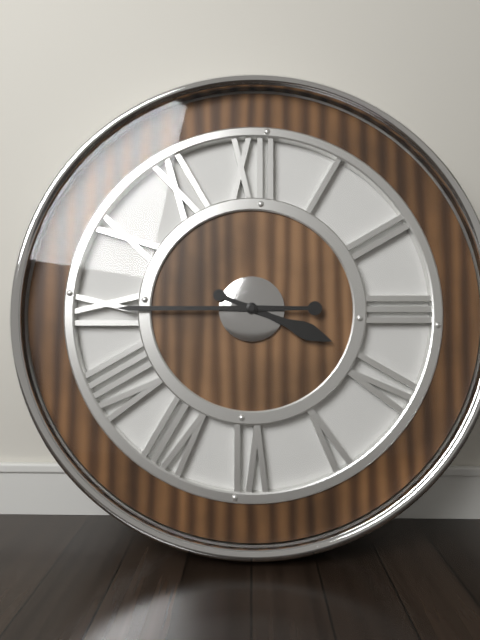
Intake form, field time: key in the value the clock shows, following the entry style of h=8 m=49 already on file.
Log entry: h=3 m=45
